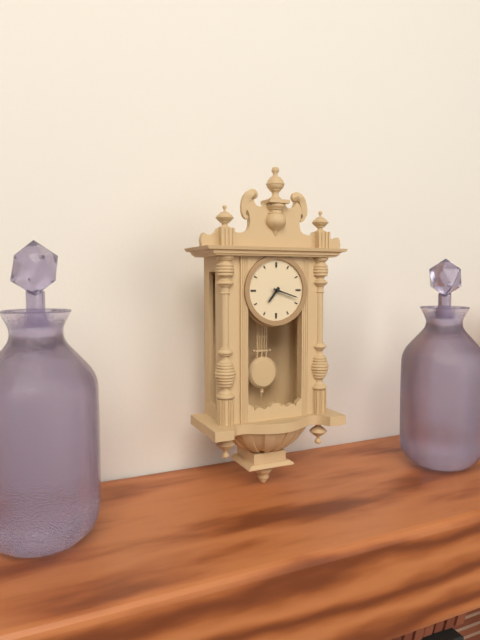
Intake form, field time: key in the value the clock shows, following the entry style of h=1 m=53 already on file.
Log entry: h=7 m=18
